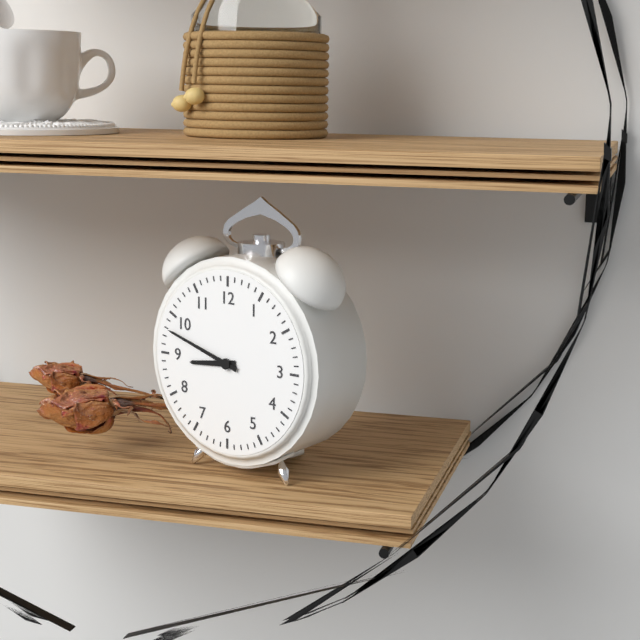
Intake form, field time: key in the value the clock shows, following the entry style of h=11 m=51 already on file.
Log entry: h=8 m=48
